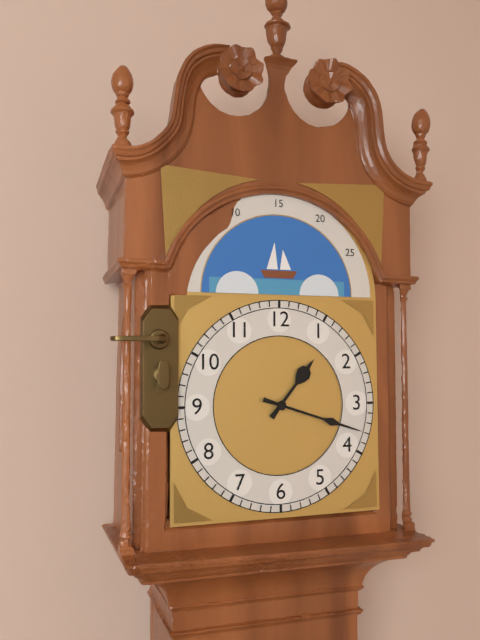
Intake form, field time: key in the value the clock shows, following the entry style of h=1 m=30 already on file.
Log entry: h=1 m=18
